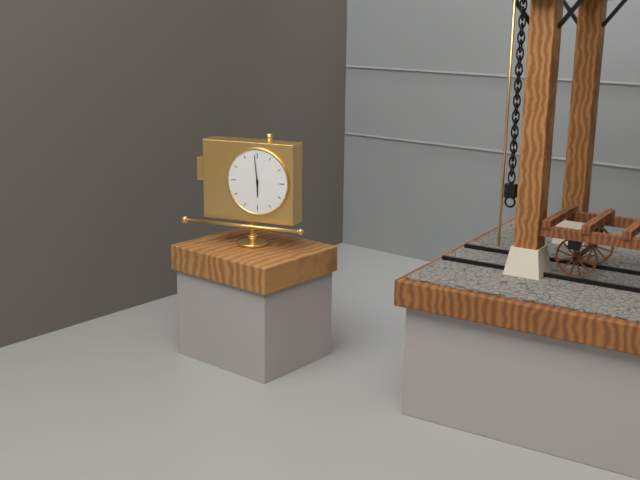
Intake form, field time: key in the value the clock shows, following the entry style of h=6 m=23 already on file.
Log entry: h=5 m=59
